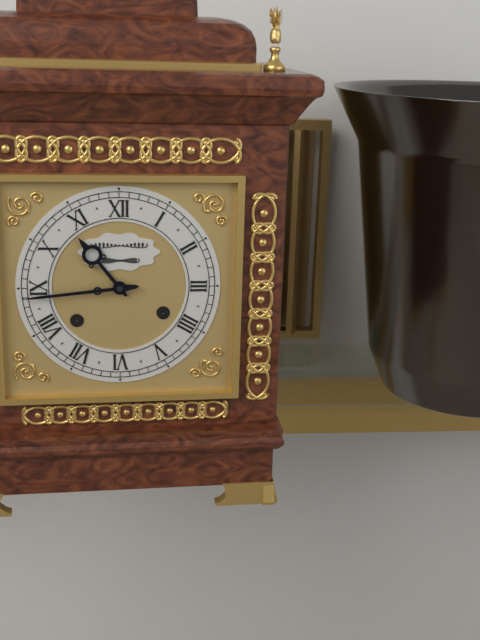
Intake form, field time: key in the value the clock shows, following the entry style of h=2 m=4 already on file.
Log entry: h=10 m=44
